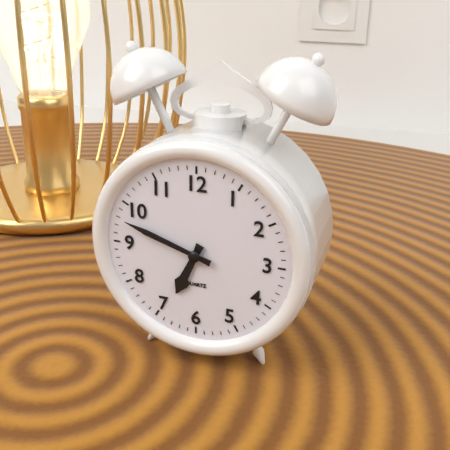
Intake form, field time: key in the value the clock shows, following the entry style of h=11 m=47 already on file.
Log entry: h=6 m=48
